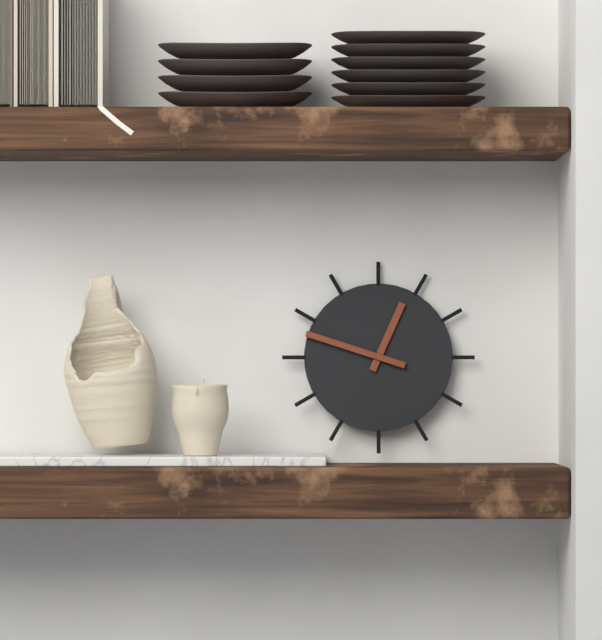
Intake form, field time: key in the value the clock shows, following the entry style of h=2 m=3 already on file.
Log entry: h=12 m=48
